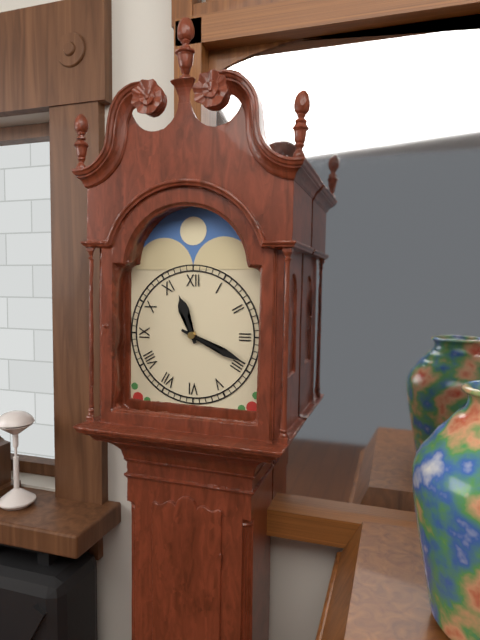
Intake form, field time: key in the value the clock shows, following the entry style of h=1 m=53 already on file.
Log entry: h=11 m=19
